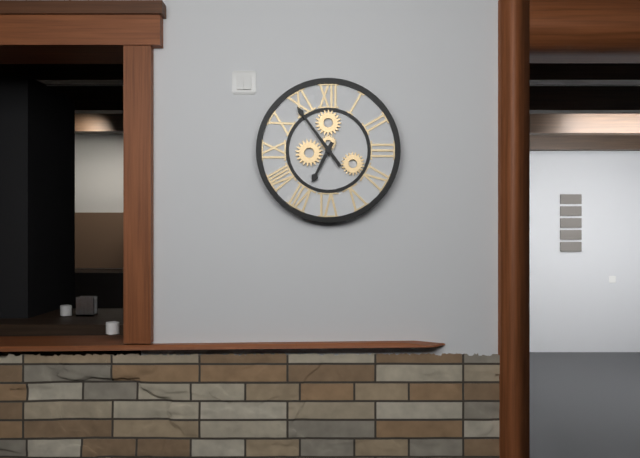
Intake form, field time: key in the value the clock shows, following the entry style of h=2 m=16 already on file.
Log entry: h=6 m=54
